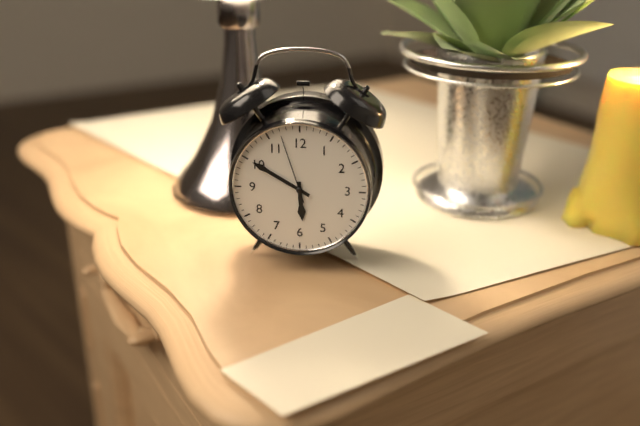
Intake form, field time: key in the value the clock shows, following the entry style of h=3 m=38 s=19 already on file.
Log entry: h=5 m=50 s=57
